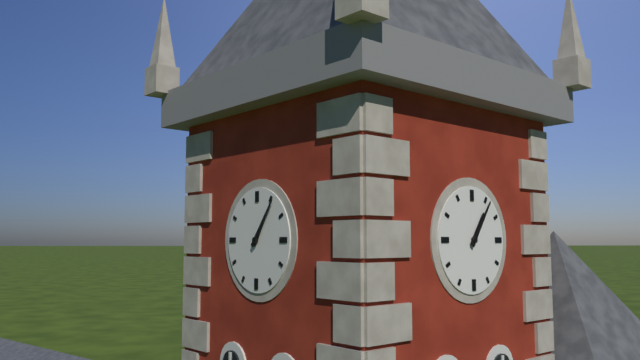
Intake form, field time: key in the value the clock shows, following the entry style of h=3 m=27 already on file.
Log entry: h=1 m=6
